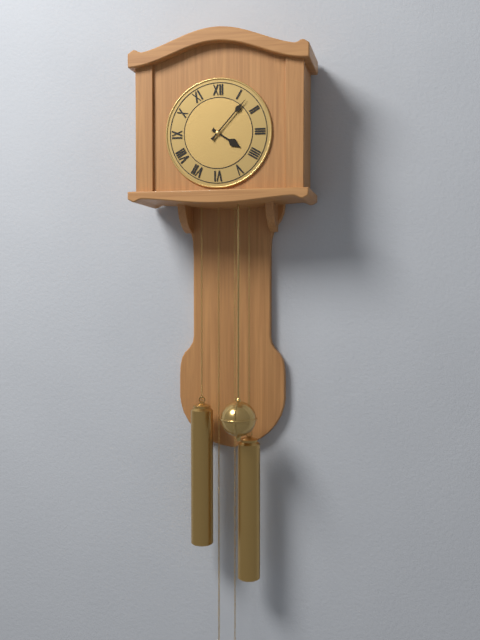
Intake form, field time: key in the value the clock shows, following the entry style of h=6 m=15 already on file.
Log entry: h=4 m=7
